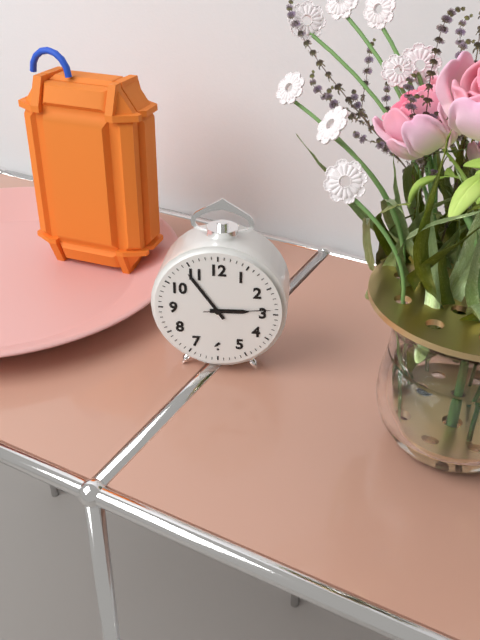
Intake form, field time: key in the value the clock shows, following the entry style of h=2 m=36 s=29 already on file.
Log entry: h=2 m=54 s=14
